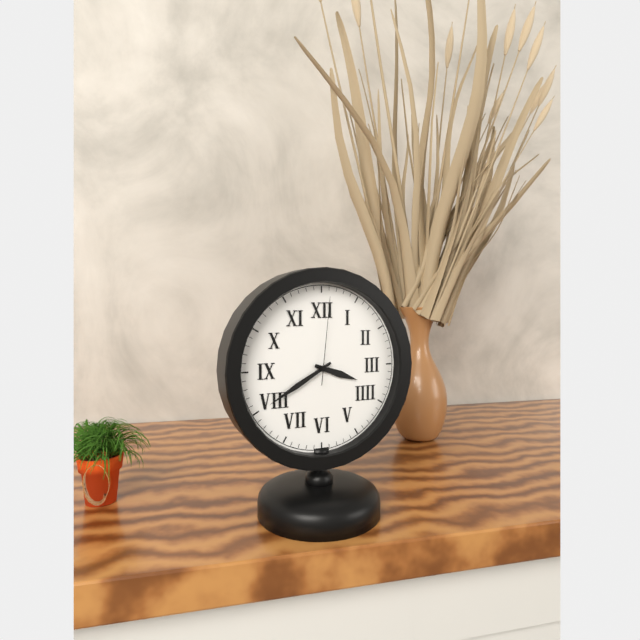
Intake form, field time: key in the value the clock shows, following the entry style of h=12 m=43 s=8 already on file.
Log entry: h=3 m=40 s=1
